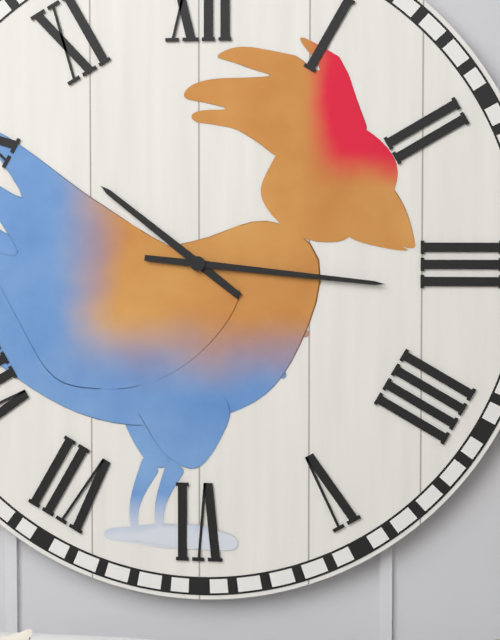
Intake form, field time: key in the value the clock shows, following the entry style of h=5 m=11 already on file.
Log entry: h=10 m=16
